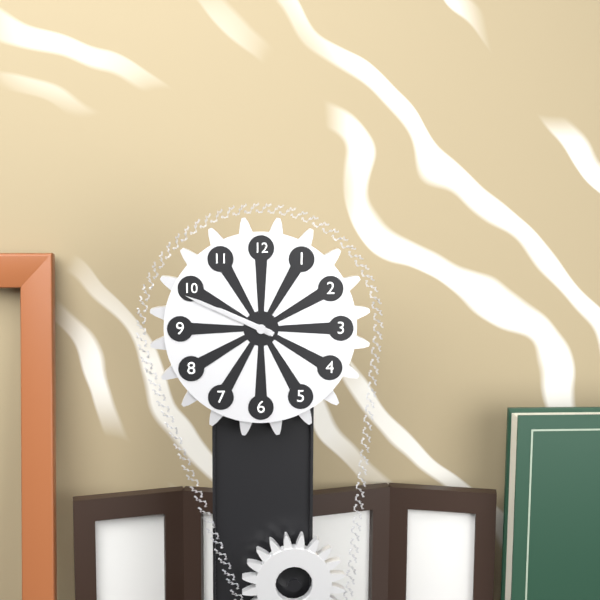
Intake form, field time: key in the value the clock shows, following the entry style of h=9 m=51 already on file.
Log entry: h=9 m=49
